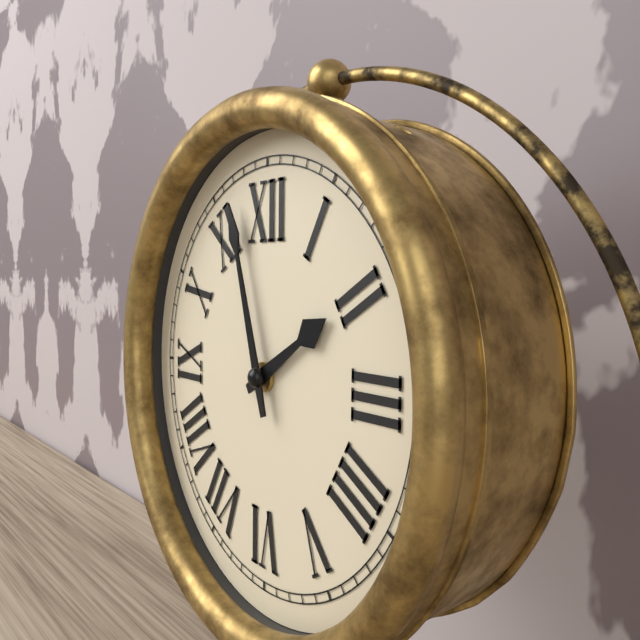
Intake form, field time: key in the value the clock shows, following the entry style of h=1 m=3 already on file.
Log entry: h=1 m=57
